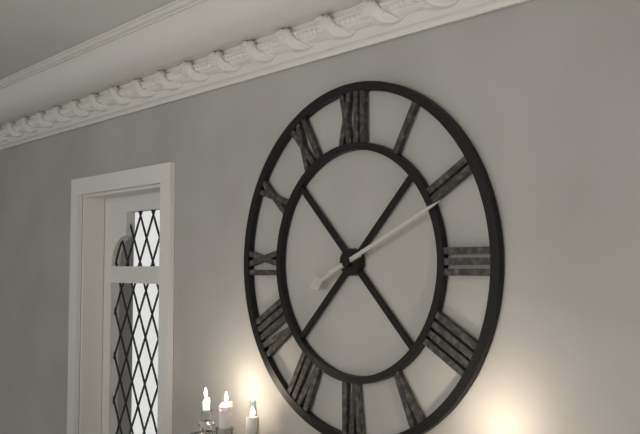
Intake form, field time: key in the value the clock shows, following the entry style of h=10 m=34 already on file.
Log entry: h=8 m=11
